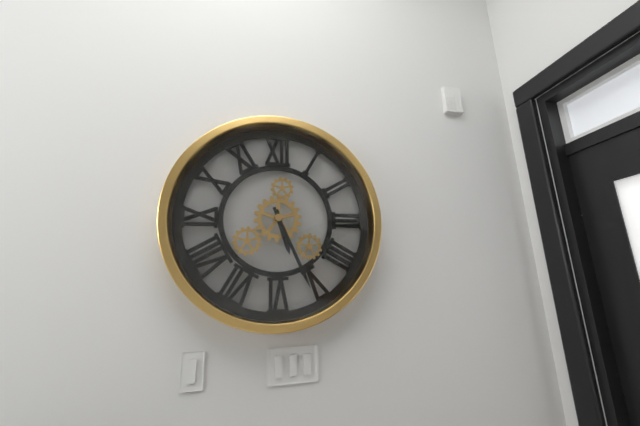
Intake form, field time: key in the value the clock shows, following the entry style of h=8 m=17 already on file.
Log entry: h=5 m=26
